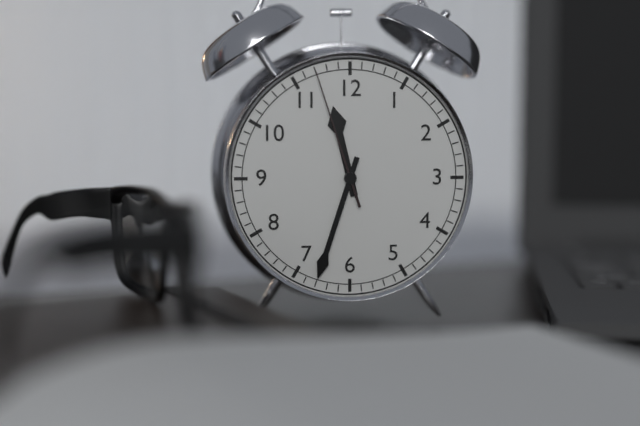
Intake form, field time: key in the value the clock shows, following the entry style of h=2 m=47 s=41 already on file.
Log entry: h=11 m=33 s=57
